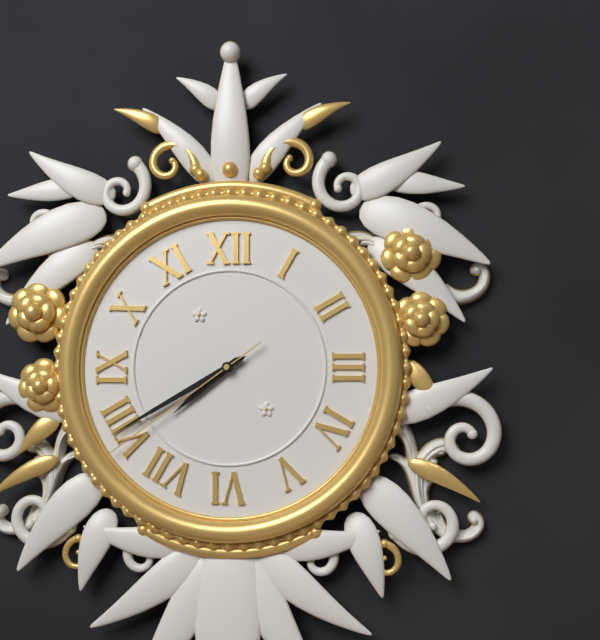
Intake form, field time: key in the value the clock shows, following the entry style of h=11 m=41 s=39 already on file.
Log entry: h=7 m=40 s=39
